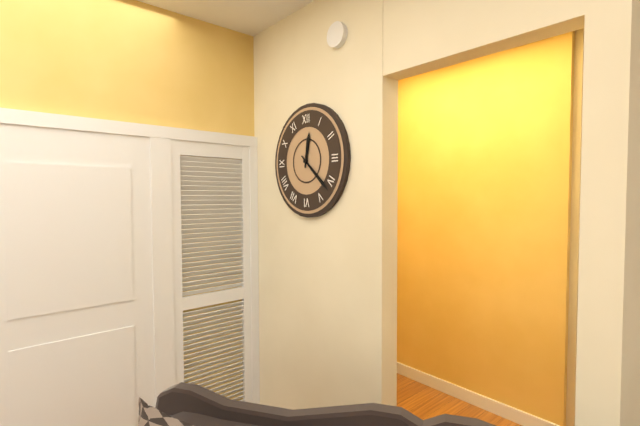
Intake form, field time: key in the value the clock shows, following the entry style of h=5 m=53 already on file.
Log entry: h=12 m=22
